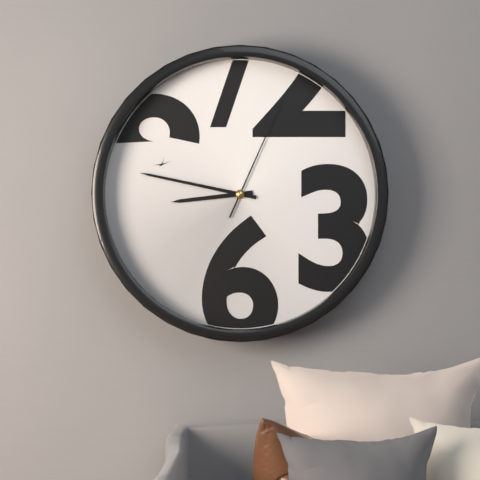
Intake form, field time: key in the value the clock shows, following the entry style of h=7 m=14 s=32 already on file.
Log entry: h=8 m=47 s=4
